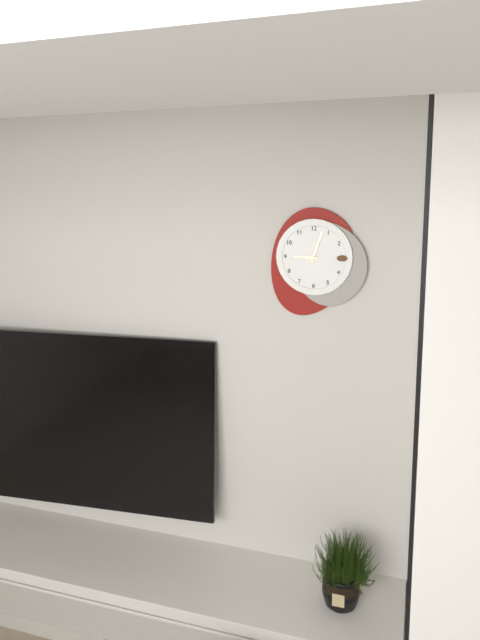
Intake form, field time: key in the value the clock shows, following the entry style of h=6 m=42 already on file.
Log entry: h=9 m=3
